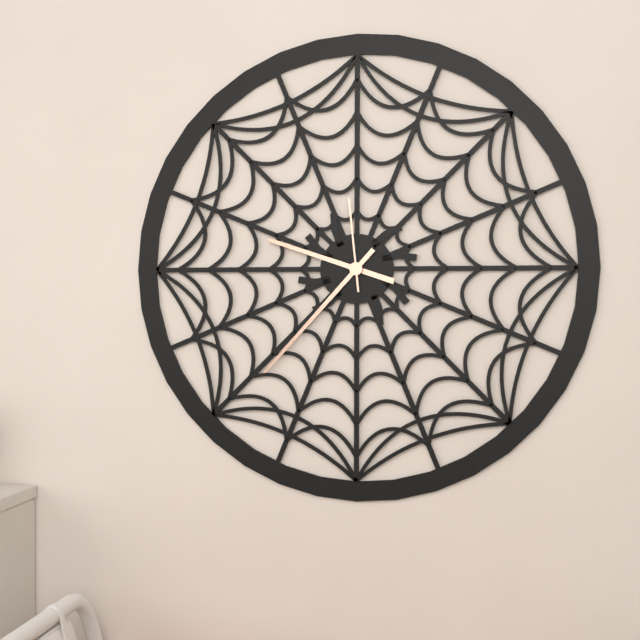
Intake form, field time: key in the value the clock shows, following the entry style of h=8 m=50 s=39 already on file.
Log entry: h=9 m=37 s=59
